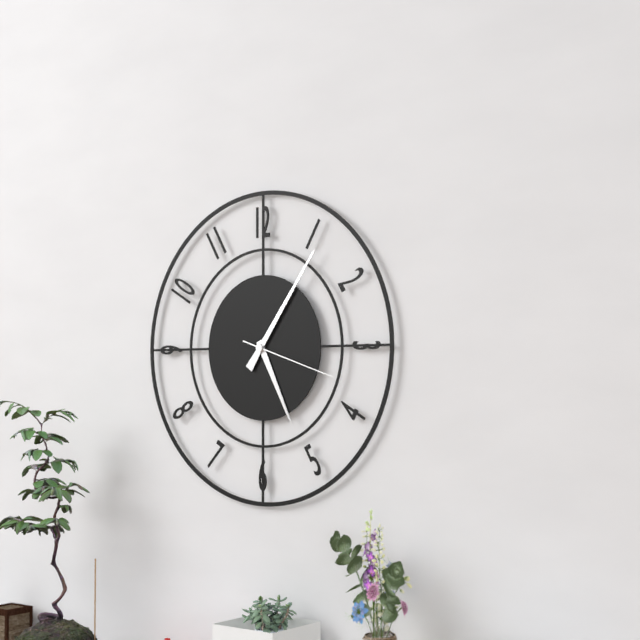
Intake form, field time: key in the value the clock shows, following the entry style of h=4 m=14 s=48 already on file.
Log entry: h=5 m=6 s=18
